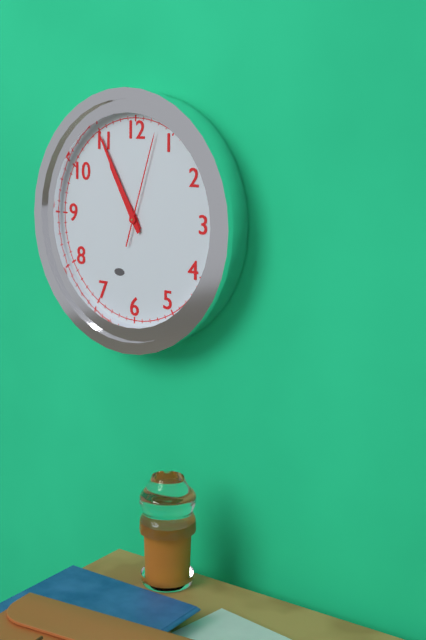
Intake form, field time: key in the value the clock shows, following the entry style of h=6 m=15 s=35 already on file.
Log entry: h=10 m=55 s=3
